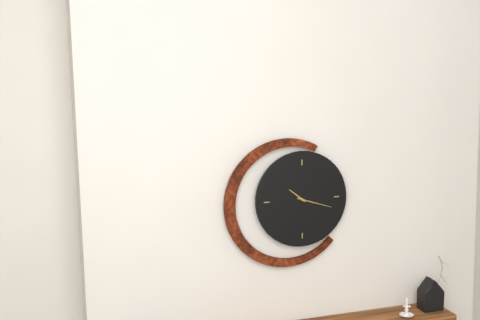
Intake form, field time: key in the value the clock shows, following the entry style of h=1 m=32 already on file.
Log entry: h=10 m=18
